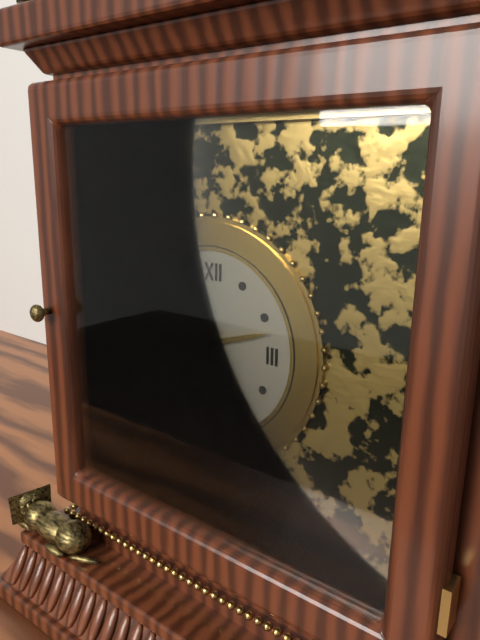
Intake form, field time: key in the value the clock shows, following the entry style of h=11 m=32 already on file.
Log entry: h=6 m=12
